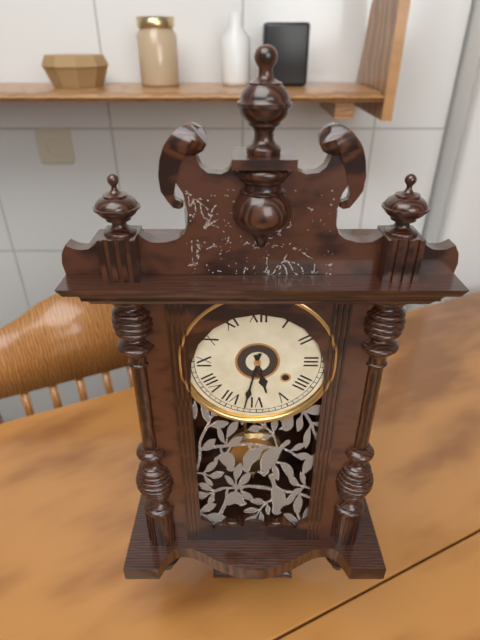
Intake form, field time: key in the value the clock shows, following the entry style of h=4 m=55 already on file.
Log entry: h=5 m=32
